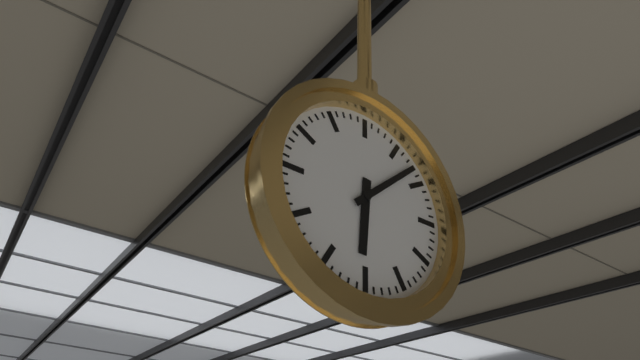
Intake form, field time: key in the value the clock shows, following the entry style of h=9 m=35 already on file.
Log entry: h=6 m=8
